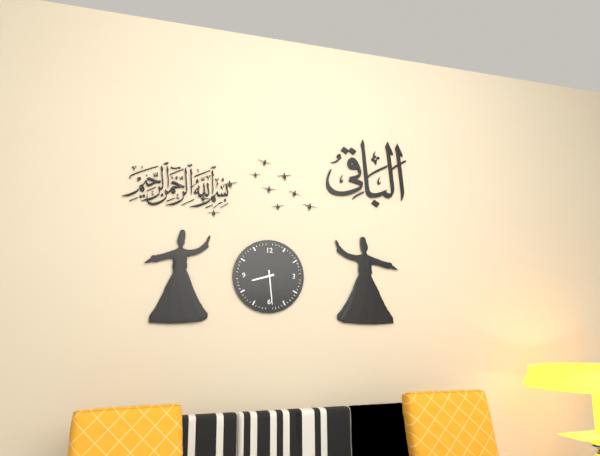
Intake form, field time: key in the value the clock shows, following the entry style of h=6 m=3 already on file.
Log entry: h=8 m=29
